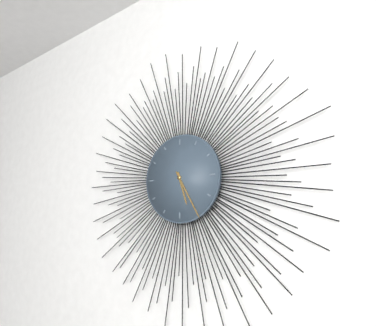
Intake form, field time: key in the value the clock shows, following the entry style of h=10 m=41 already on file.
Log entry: h=5 m=25
